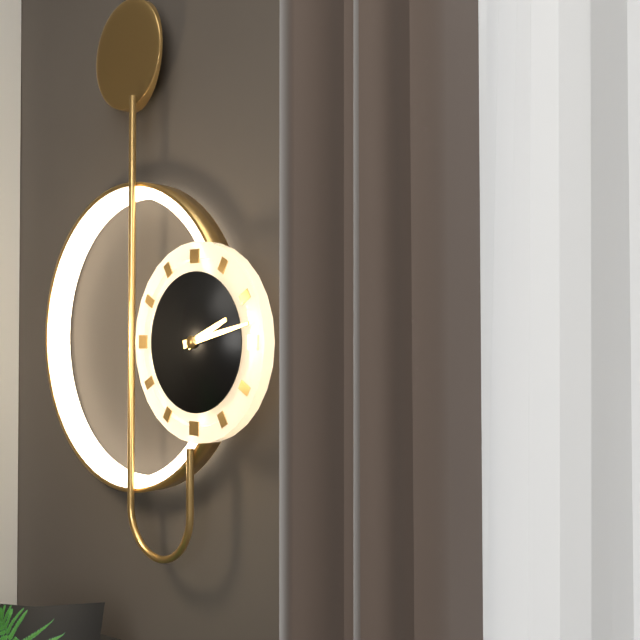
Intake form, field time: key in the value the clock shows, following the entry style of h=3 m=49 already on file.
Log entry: h=2 m=13
